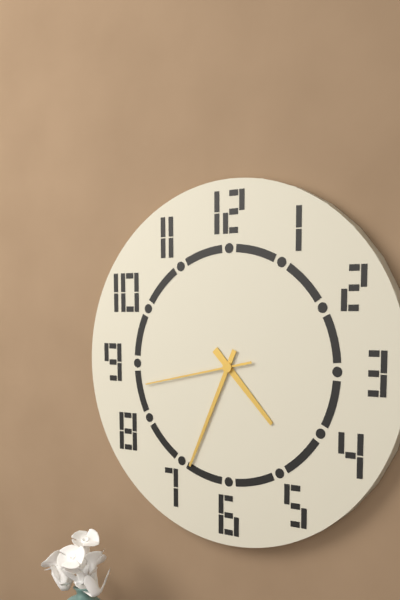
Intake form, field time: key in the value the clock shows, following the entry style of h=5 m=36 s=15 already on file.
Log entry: h=4 m=34 s=43
